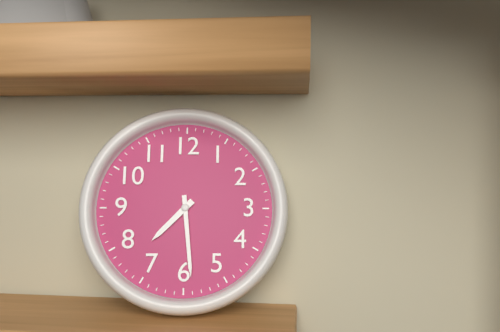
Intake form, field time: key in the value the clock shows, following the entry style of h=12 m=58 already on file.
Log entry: h=7 m=29
